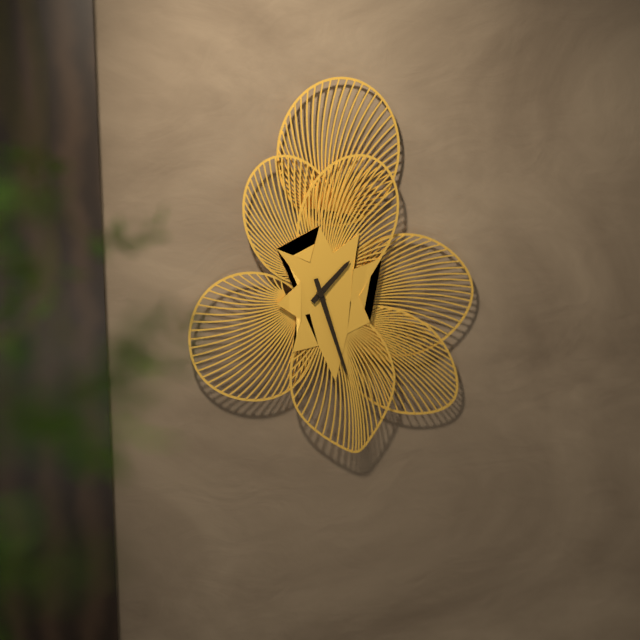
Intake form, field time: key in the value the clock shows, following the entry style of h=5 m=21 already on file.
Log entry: h=1 m=27
